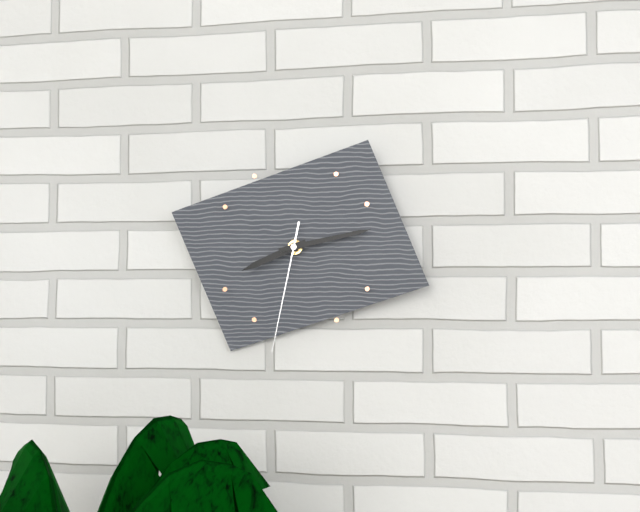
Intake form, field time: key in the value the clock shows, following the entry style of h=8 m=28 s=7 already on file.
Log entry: h=8 m=13 s=32
